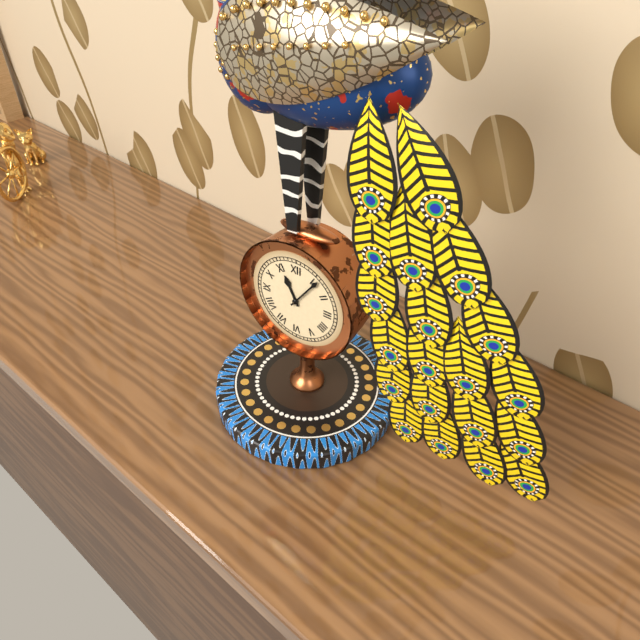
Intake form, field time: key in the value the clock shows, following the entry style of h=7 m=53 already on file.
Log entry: h=11 m=6
